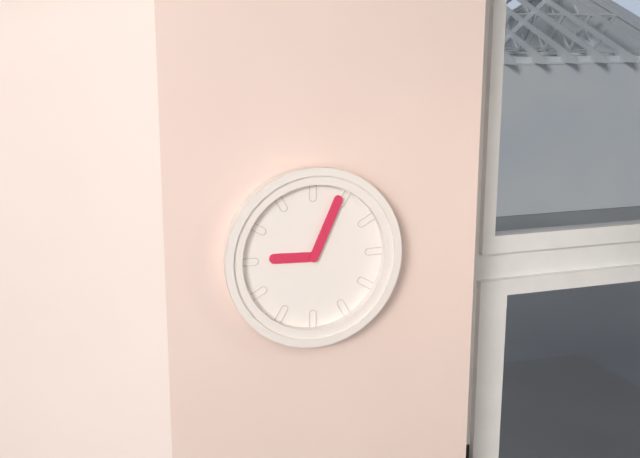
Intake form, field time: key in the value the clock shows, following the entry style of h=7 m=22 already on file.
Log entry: h=9 m=4
